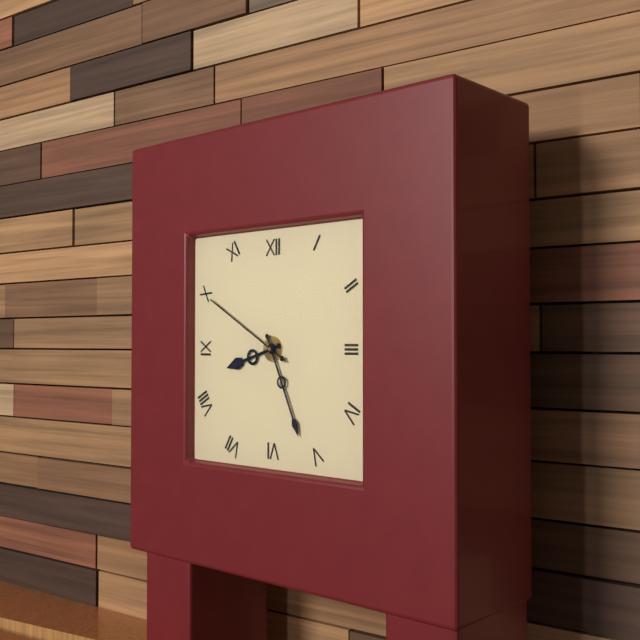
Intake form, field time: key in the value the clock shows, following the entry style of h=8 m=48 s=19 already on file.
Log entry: h=8 m=26 s=50
